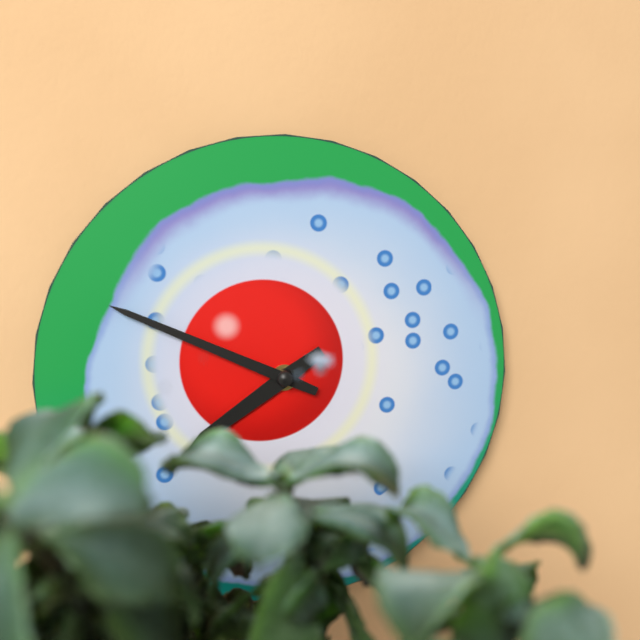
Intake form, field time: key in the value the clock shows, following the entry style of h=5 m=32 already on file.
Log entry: h=7 m=49
